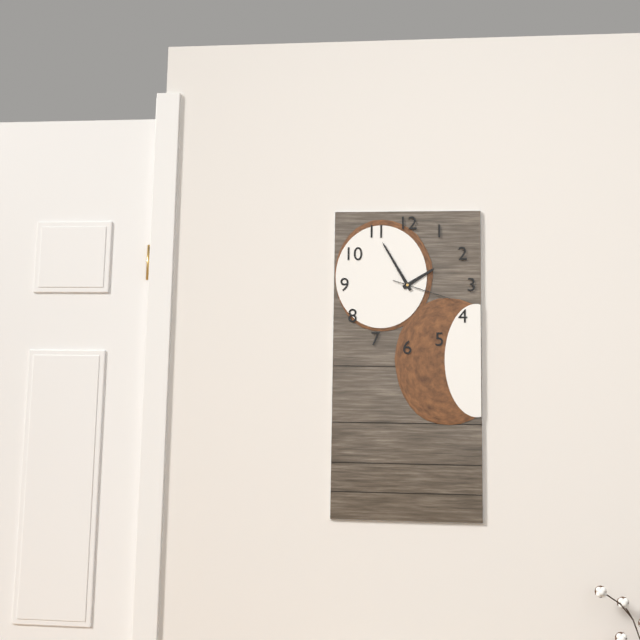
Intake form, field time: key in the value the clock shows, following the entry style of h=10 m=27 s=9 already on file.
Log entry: h=1 m=55 s=18
